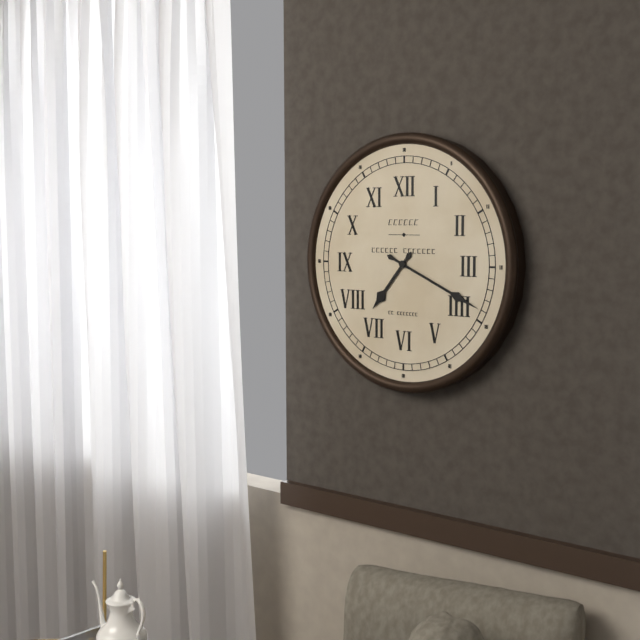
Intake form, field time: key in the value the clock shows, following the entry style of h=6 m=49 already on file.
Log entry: h=7 m=19
